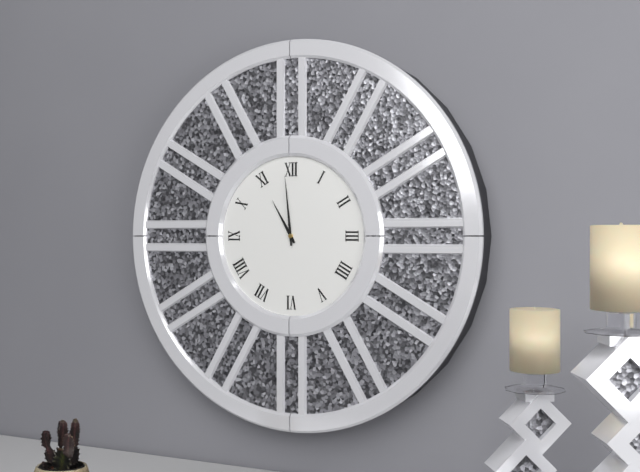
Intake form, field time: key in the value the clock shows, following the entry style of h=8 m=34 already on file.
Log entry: h=10 m=59
